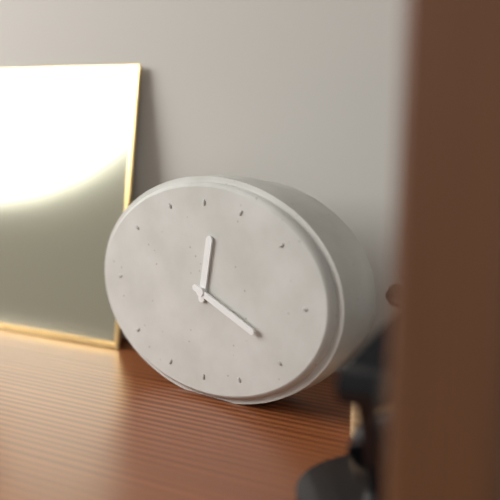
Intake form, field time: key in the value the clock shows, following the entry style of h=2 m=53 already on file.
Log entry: h=12 m=19
